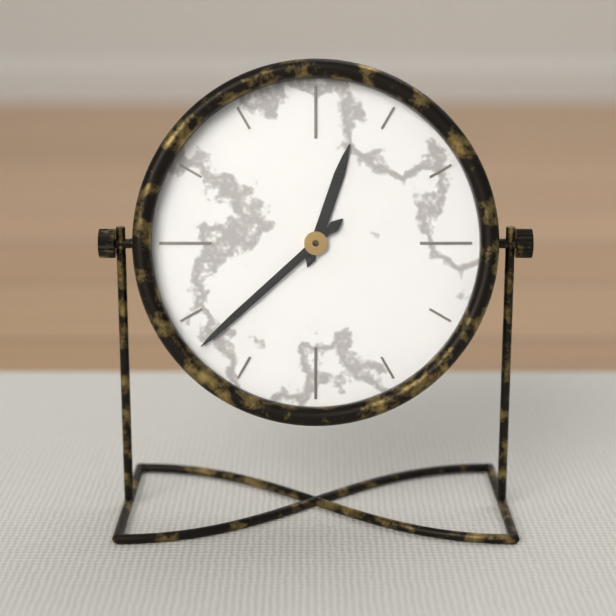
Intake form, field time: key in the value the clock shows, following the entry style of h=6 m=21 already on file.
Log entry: h=12 m=38
